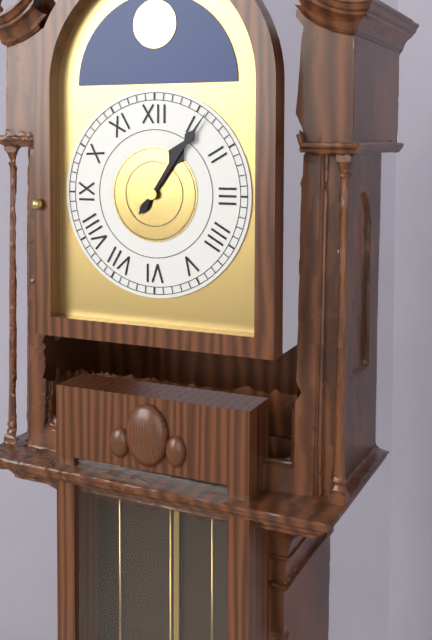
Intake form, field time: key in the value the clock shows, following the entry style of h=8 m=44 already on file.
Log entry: h=1 m=6
